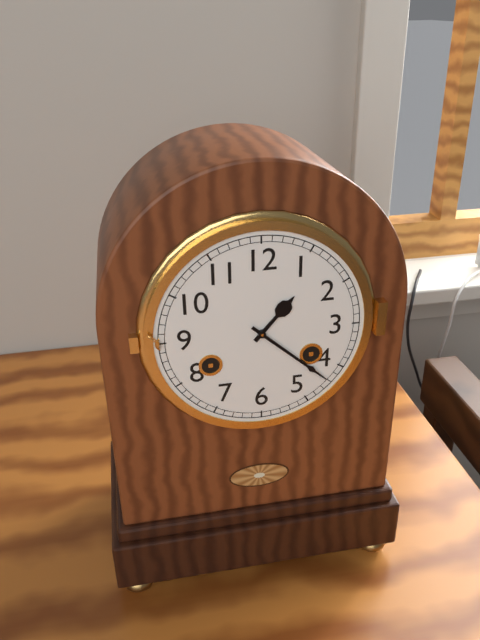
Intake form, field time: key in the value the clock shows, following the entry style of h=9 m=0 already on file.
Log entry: h=1 m=22
